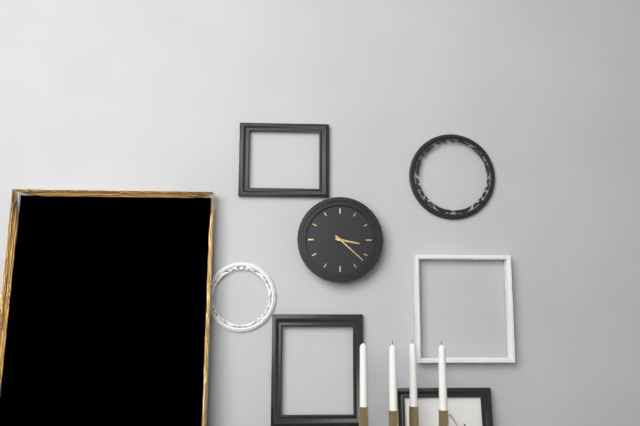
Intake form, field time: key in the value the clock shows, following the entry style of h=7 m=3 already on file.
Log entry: h=3 m=22
